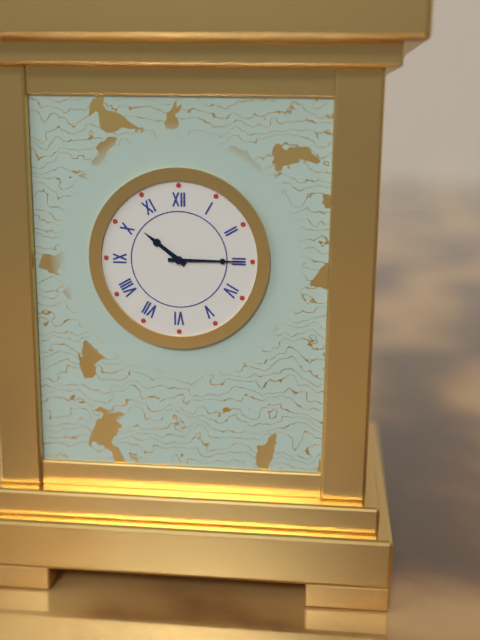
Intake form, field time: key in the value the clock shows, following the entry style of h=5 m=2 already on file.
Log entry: h=10 m=15
